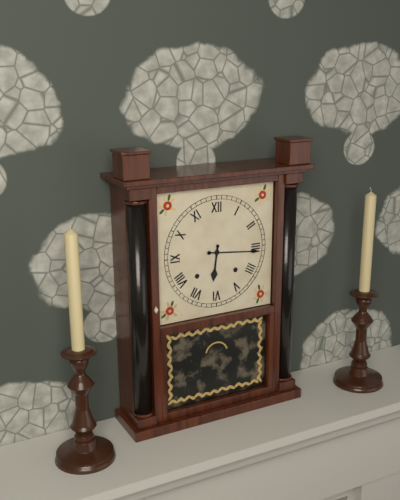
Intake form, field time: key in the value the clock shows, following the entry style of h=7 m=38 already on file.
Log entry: h=6 m=16
